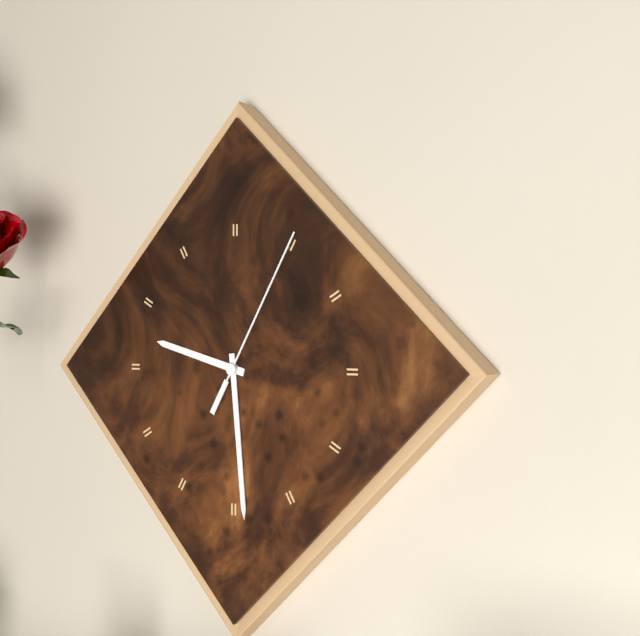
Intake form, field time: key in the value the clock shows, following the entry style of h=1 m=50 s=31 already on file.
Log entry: h=9 m=29 s=5
